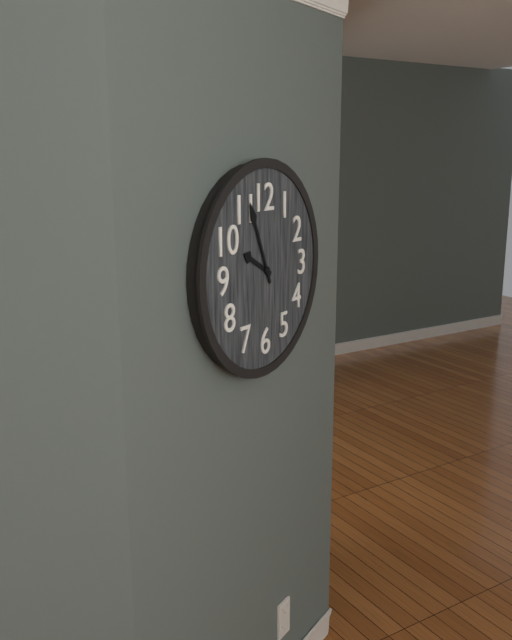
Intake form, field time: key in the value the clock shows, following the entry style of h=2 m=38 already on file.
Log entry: h=9 m=56
